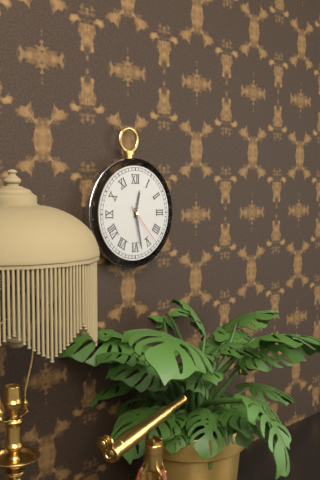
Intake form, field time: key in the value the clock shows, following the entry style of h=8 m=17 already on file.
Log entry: h=12 m=28
